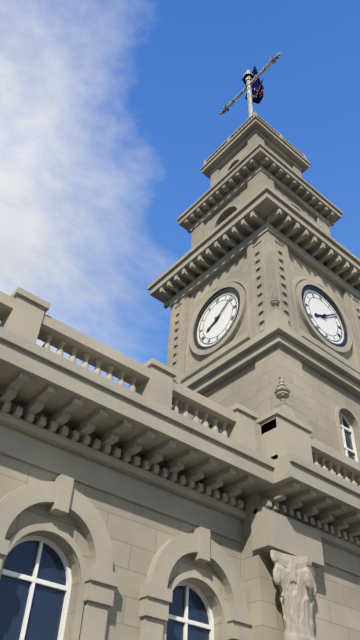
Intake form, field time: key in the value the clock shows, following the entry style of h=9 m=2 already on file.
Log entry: h=8 m=9
